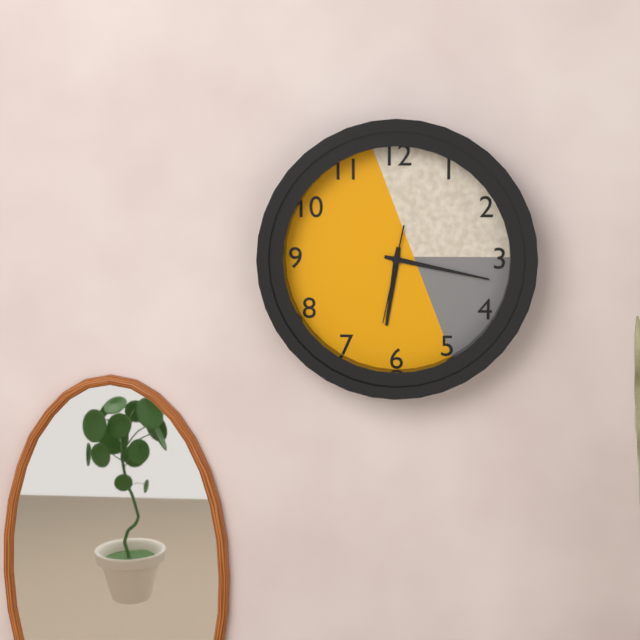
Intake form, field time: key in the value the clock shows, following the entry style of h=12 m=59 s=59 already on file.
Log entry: h=6 m=17 s=32
